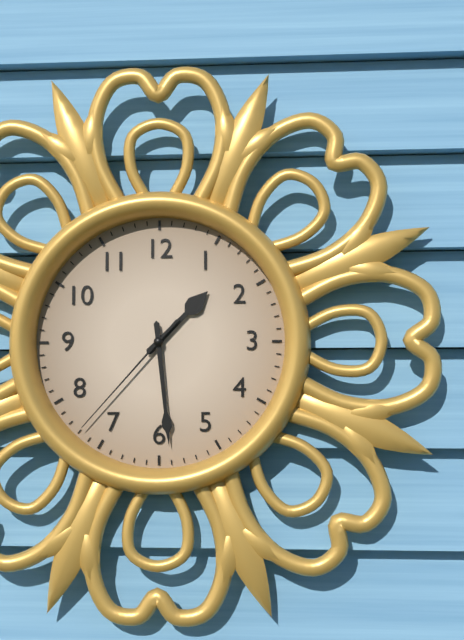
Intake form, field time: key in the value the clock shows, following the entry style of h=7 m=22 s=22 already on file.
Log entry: h=1 m=29 s=37
